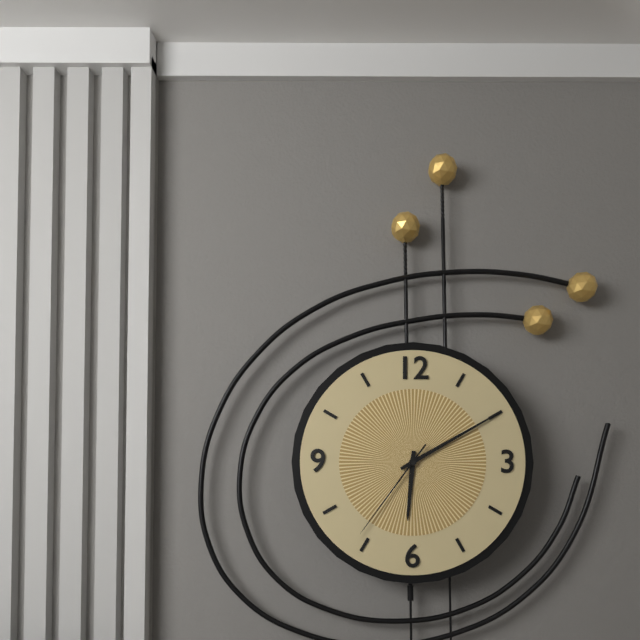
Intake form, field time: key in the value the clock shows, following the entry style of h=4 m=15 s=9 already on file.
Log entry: h=6 m=10 s=36
